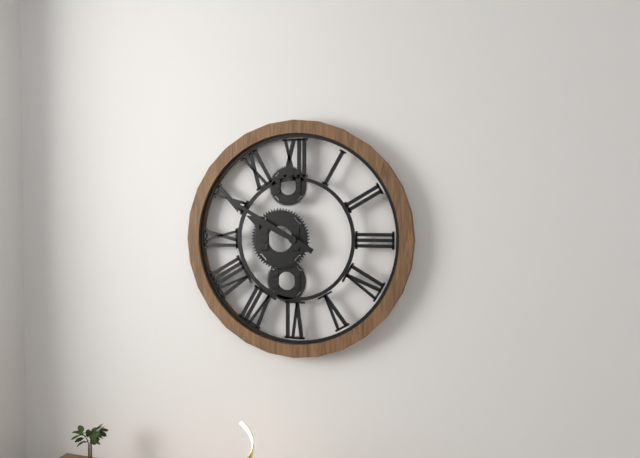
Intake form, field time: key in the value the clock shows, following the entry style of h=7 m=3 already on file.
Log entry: h=9 m=50
